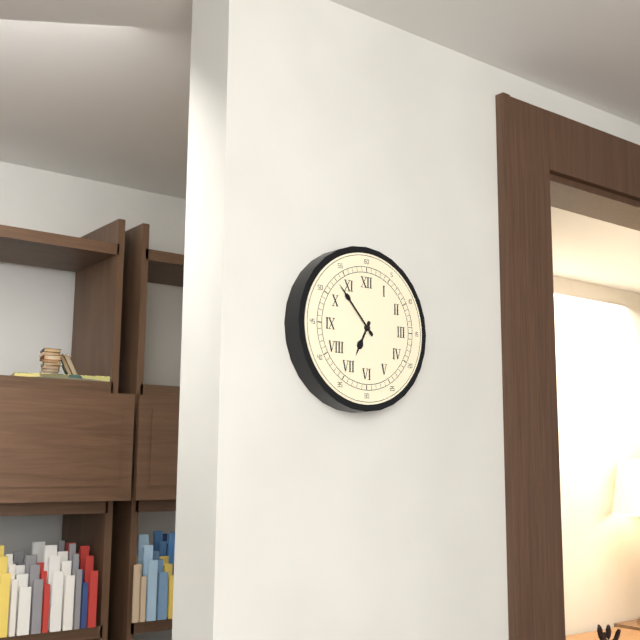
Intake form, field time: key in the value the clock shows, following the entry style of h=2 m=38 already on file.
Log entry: h=6 m=53
